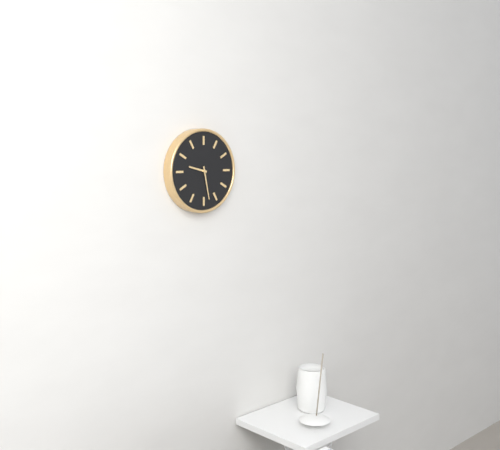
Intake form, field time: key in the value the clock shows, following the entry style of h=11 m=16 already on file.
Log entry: h=9 m=28
